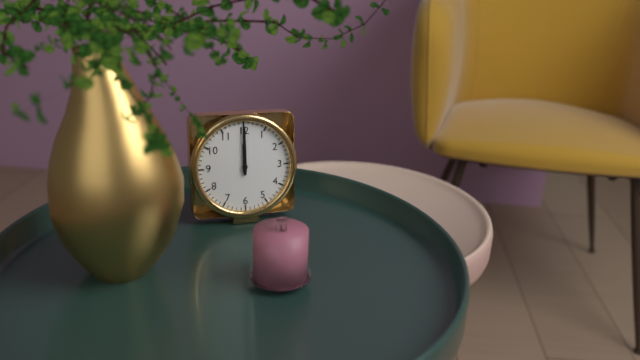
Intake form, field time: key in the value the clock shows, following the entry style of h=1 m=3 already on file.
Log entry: h=12 m=0
